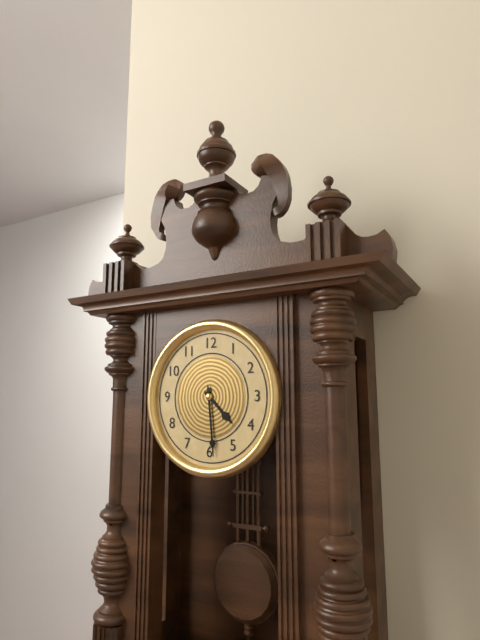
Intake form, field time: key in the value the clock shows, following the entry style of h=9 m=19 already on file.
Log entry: h=4 m=29
